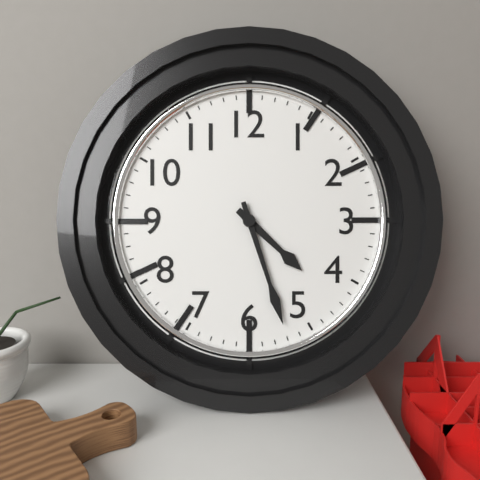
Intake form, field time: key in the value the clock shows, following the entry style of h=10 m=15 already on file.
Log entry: h=4 m=27
